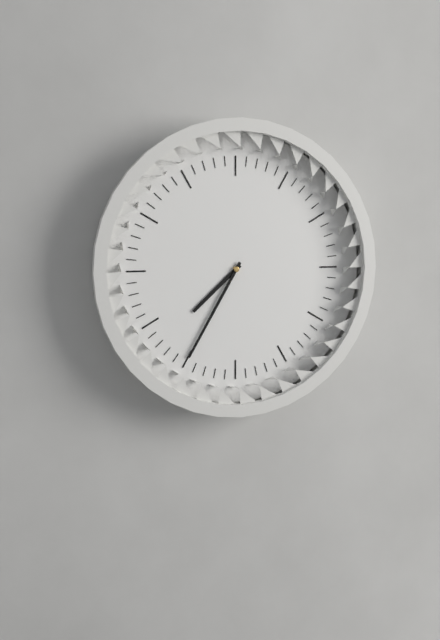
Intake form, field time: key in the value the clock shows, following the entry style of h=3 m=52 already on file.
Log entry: h=7 m=35
